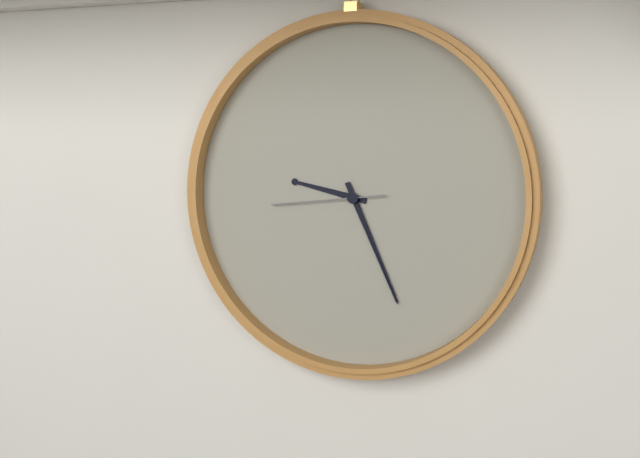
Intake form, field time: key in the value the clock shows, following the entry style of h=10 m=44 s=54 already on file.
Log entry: h=9 m=26 s=44
